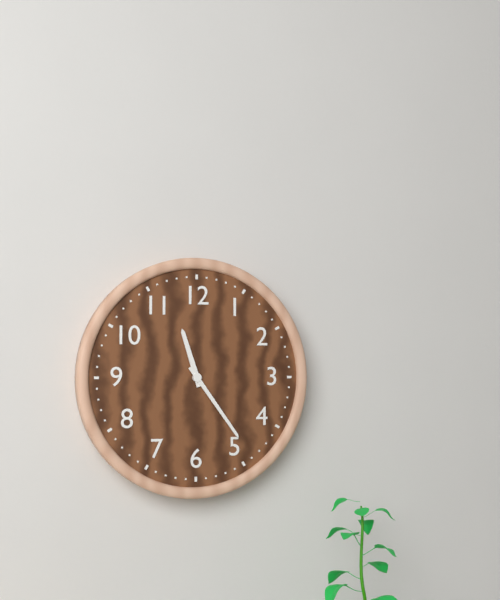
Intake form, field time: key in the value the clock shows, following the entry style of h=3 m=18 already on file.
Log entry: h=11 m=24
